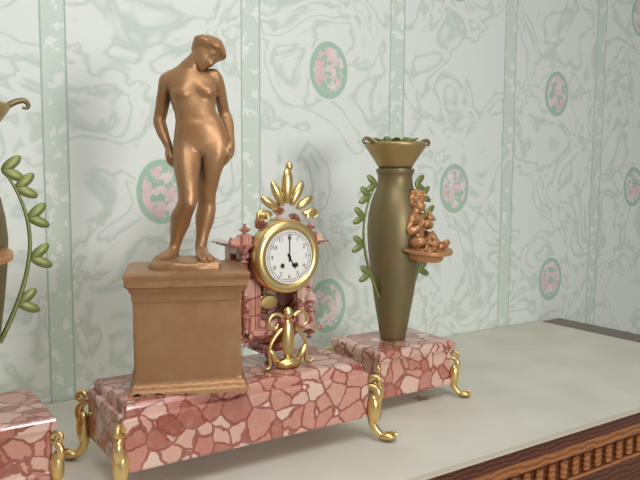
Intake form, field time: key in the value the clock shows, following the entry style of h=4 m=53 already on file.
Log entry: h=5 m=0
